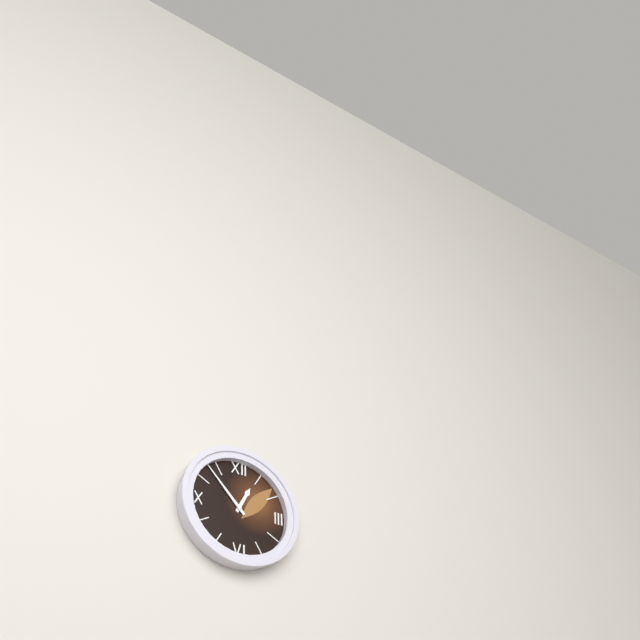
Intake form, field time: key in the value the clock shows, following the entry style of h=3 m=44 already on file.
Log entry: h=12 m=53
